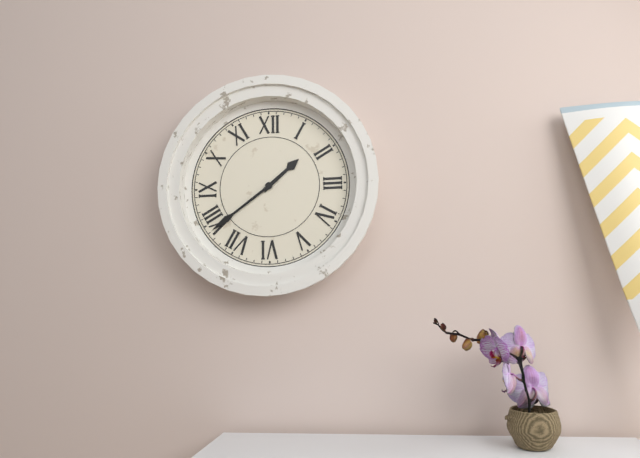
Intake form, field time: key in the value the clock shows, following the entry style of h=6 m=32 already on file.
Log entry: h=1 m=39
